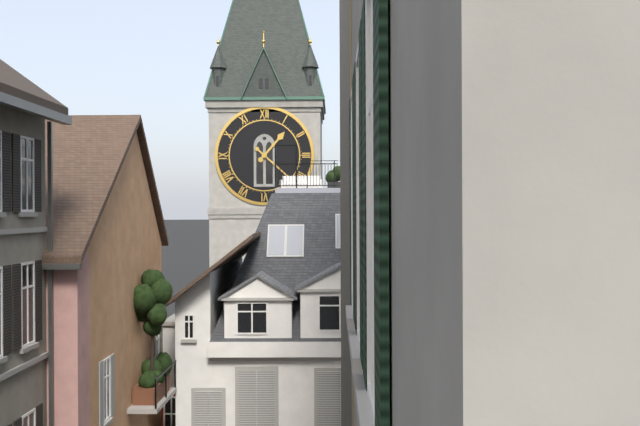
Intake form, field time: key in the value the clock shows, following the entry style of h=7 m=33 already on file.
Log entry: h=1 m=22
